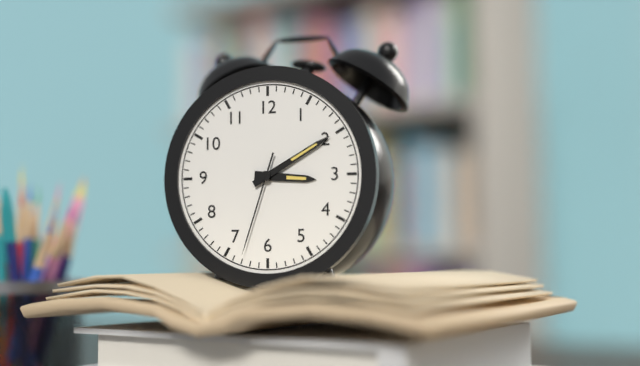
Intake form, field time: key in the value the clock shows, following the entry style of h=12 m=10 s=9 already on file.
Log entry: h=3 m=10 s=33
